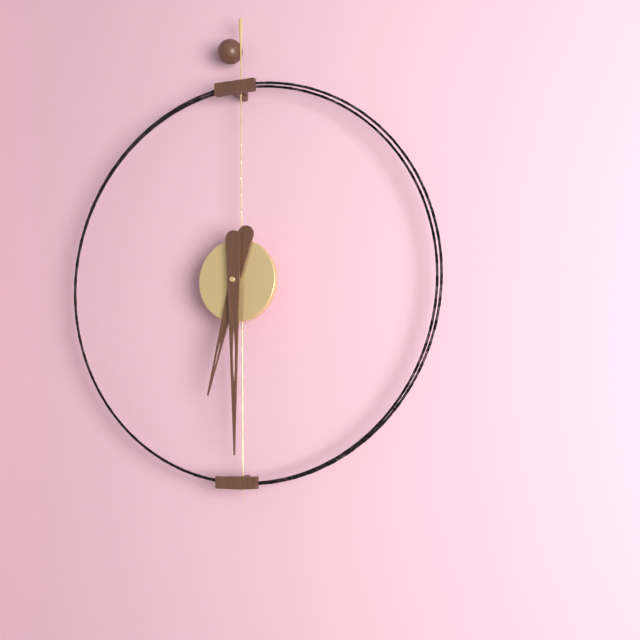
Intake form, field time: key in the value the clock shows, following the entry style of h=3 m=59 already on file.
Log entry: h=6 m=30
